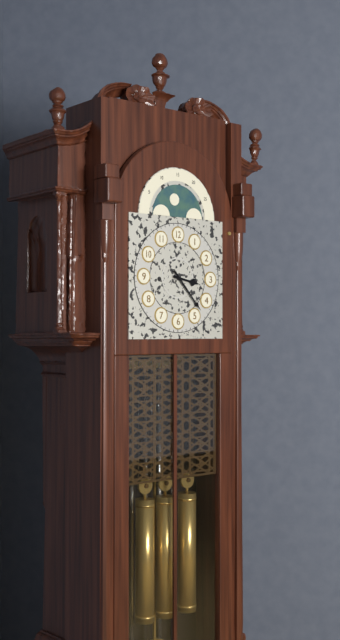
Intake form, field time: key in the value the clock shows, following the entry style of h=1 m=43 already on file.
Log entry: h=3 m=23
